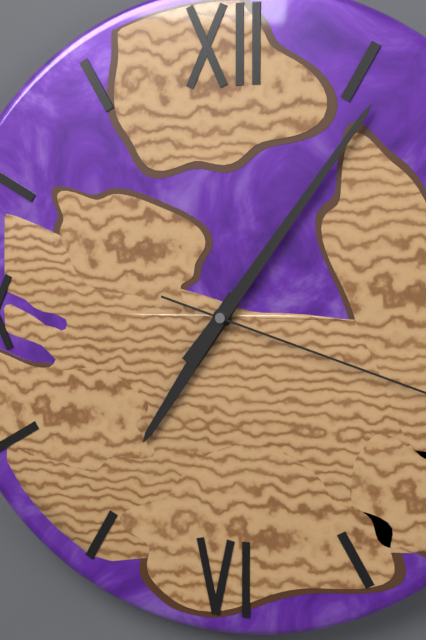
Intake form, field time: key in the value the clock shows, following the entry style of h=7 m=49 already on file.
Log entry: h=7 m=6
